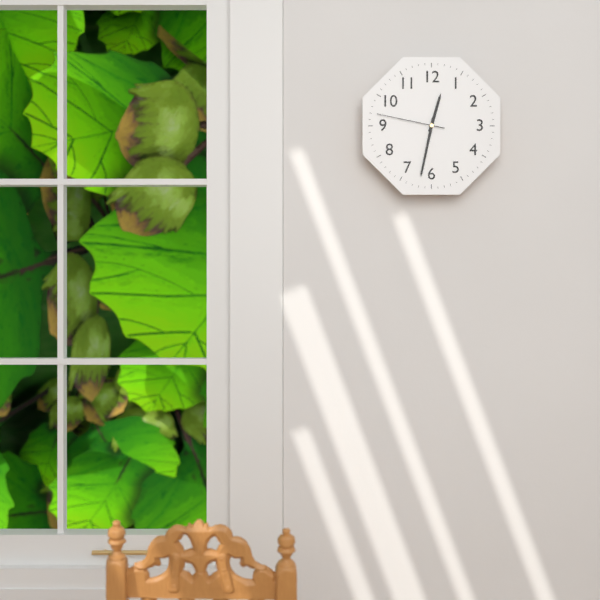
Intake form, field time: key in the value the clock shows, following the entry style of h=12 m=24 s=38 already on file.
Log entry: h=12 m=32 s=47
